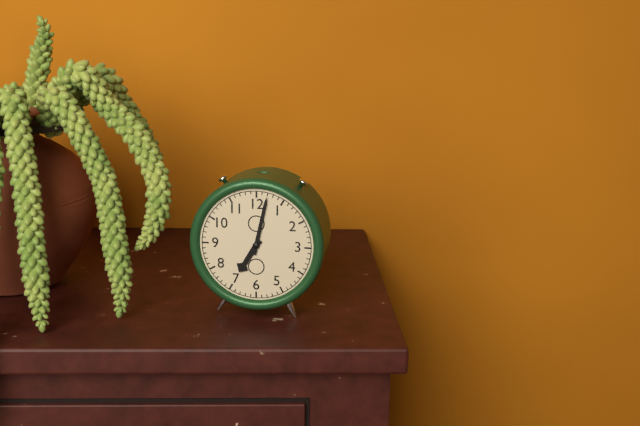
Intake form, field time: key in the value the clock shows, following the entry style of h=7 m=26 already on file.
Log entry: h=7 m=2
